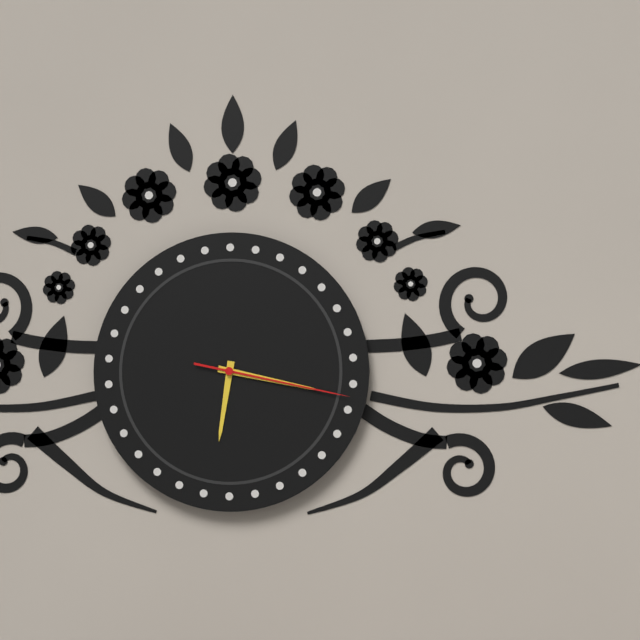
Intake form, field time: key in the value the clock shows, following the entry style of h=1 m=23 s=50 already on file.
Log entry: h=6 m=17 s=17
